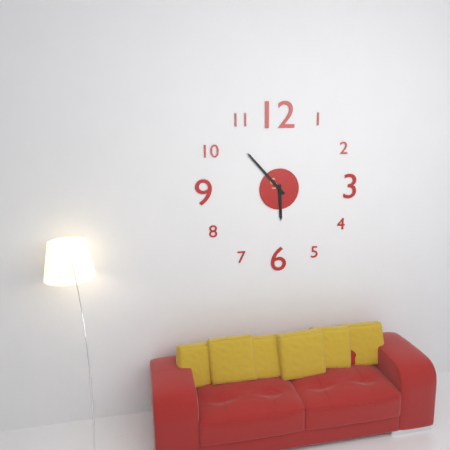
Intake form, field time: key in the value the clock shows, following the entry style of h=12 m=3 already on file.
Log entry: h=5 m=53
